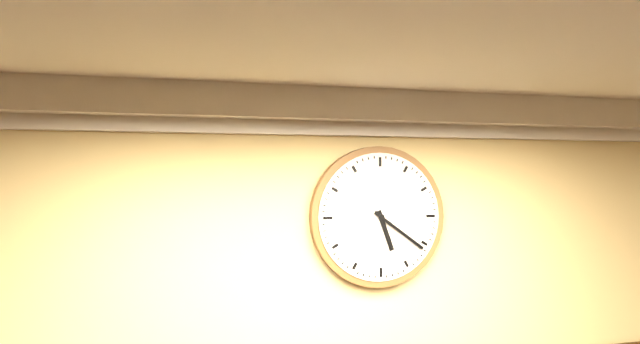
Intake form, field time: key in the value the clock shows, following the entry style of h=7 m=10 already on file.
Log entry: h=5 m=21
